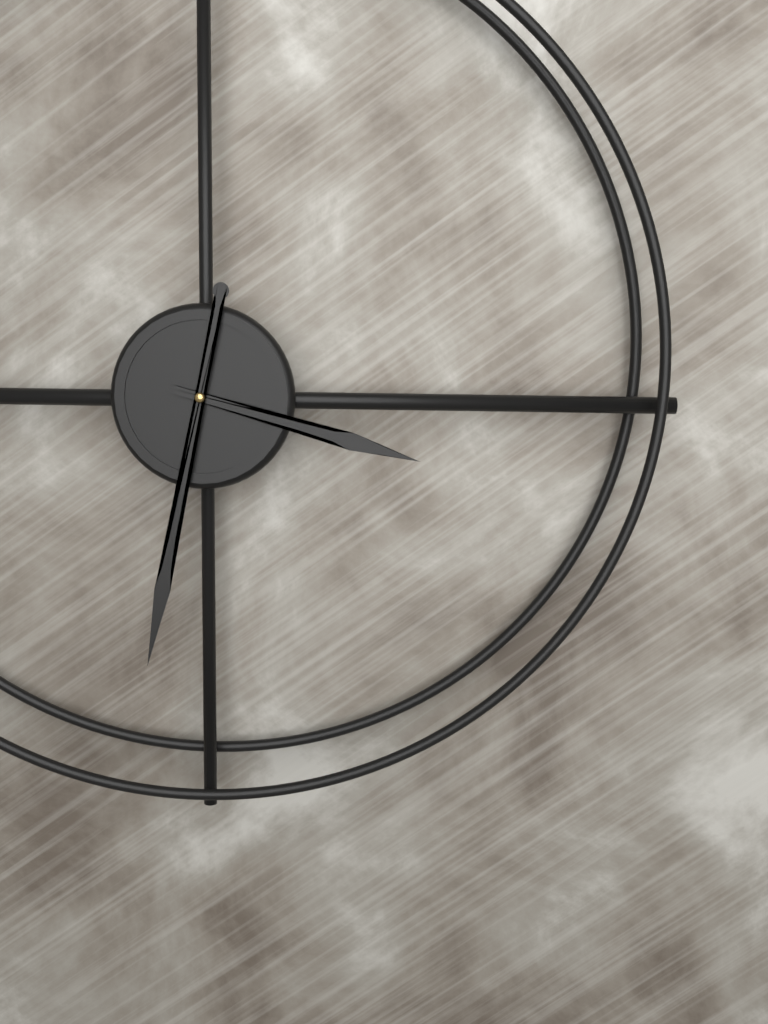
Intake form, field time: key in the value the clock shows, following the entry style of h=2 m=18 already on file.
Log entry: h=3 m=32
